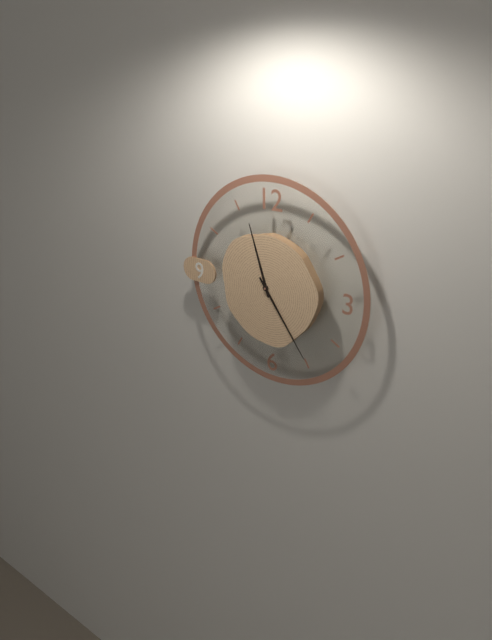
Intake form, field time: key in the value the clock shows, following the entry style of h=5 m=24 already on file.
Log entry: h=11 m=24
